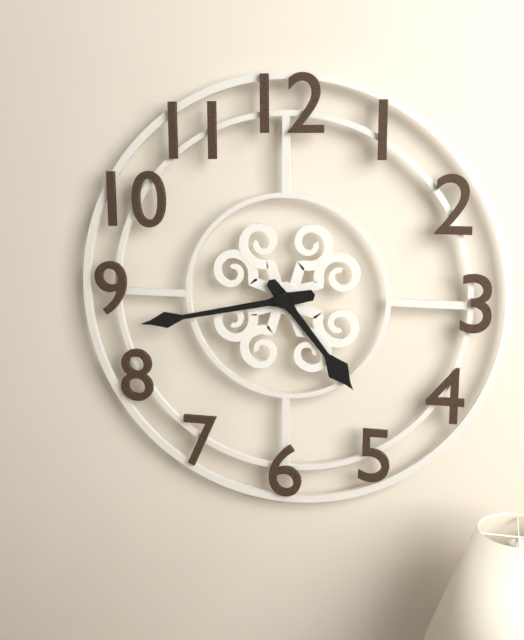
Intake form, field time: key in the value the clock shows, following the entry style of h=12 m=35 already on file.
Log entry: h=4 m=43
